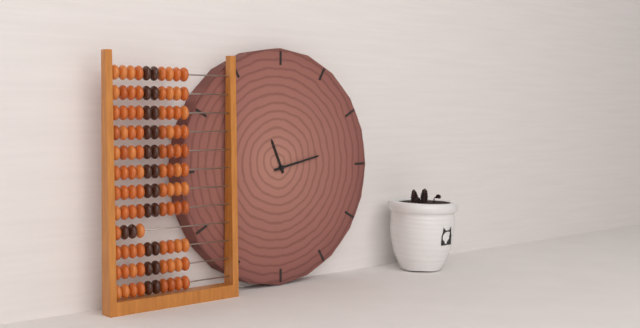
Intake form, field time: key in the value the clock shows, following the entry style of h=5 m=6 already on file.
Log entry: h=11 m=13
